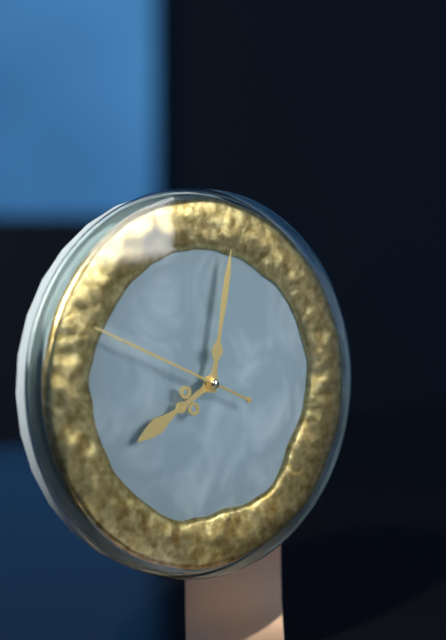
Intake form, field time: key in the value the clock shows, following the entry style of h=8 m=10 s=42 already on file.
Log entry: h=8 m=2 s=49
